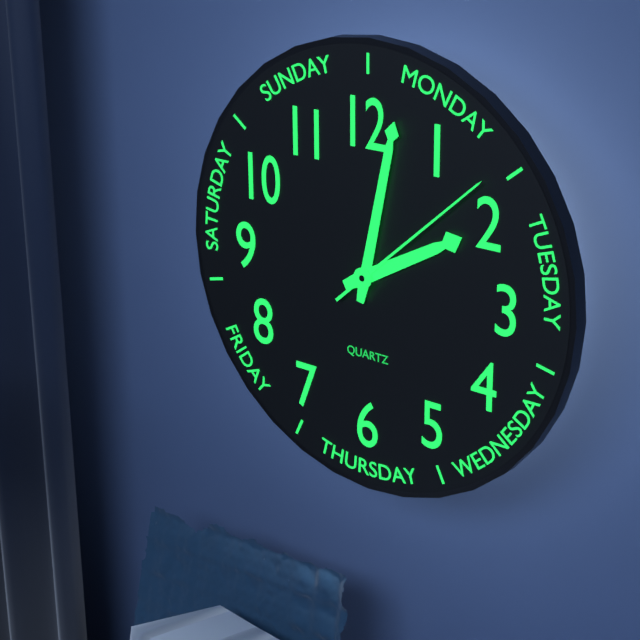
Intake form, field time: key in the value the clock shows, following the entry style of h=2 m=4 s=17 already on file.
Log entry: h=2 m=2 s=8
